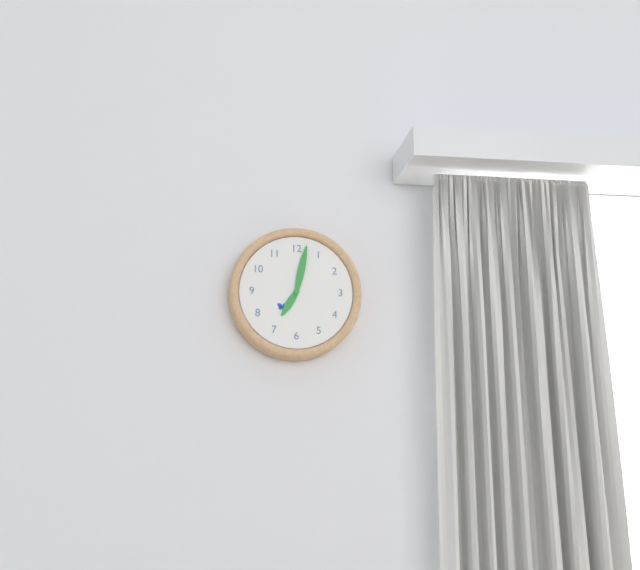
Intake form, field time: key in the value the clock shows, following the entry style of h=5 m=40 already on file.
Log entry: h=7 m=2
